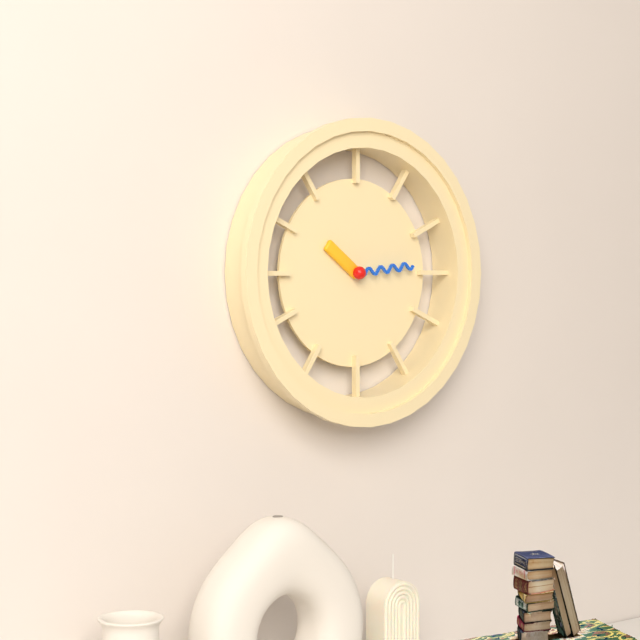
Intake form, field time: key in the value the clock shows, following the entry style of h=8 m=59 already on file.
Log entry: h=10 m=14
